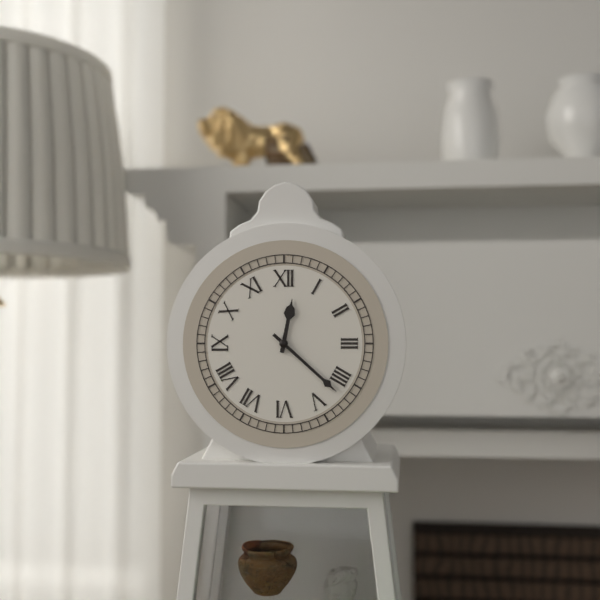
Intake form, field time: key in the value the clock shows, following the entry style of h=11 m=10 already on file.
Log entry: h=12 m=22
